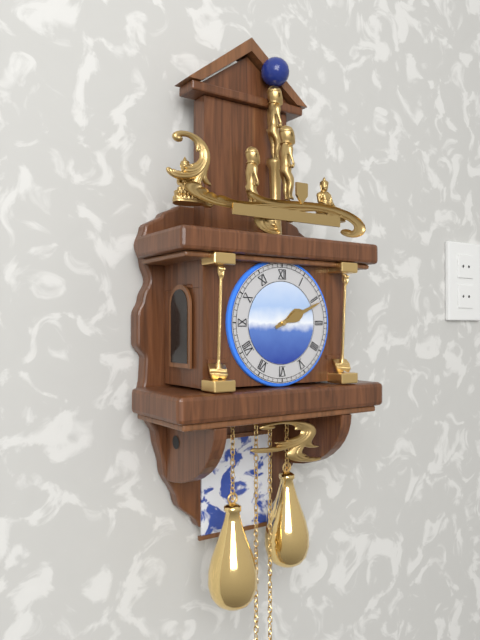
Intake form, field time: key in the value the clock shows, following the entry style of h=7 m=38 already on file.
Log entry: h=2 m=11
